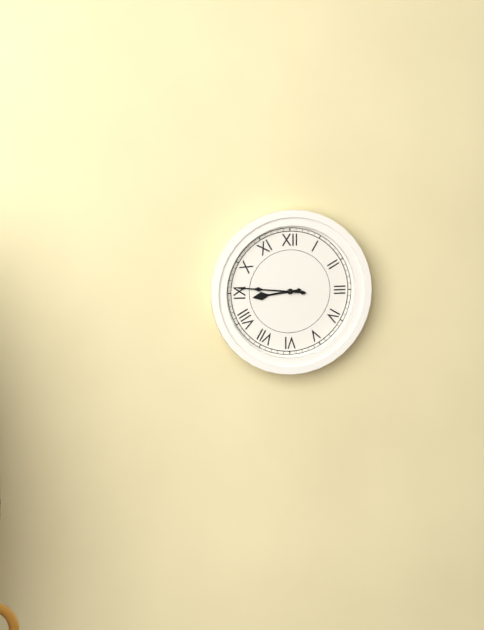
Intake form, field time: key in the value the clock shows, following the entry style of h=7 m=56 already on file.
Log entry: h=8 m=46
